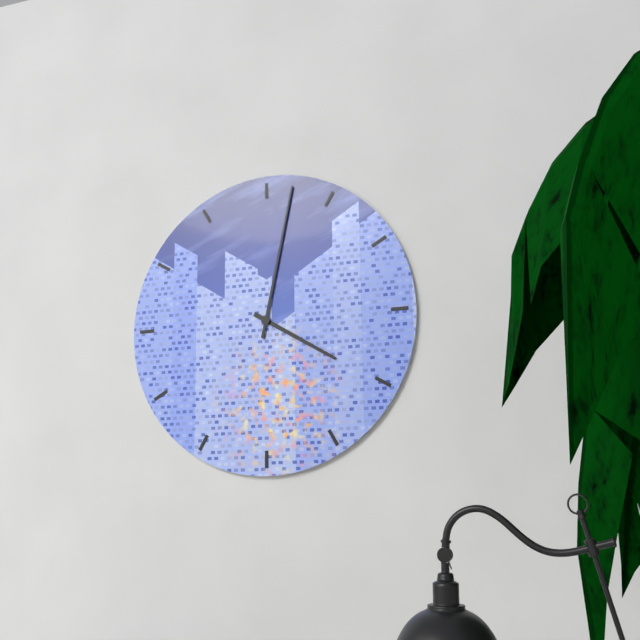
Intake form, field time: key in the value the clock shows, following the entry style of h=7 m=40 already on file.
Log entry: h=4 m=2
